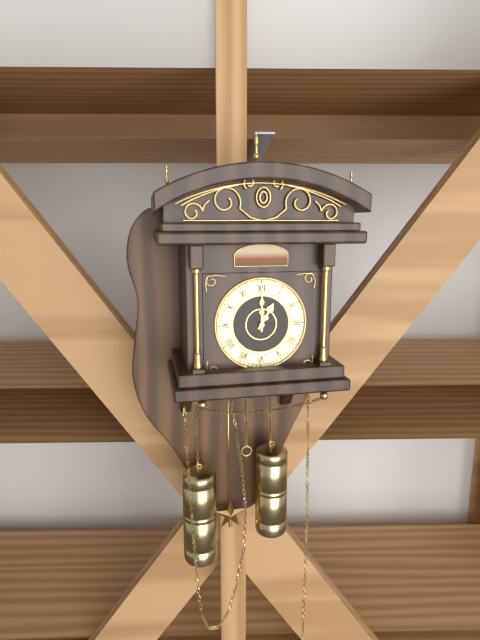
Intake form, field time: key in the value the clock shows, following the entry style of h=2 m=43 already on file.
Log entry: h=1 m=0
